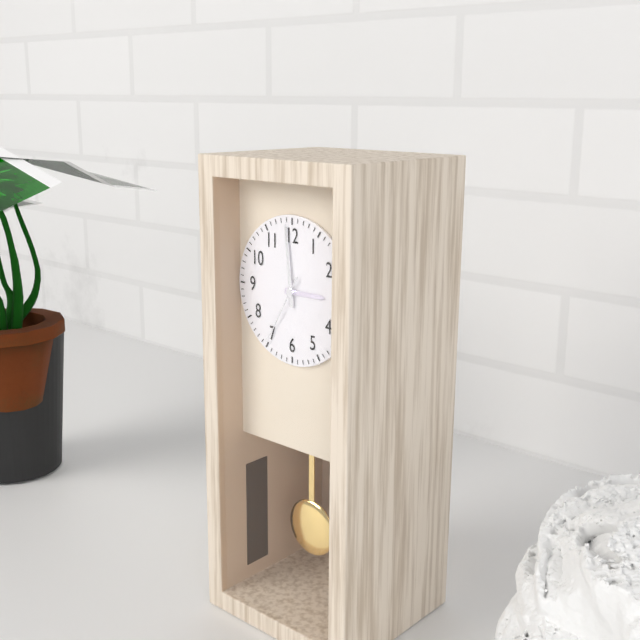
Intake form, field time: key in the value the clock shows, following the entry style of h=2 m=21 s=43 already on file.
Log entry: h=2 m=59 s=35
